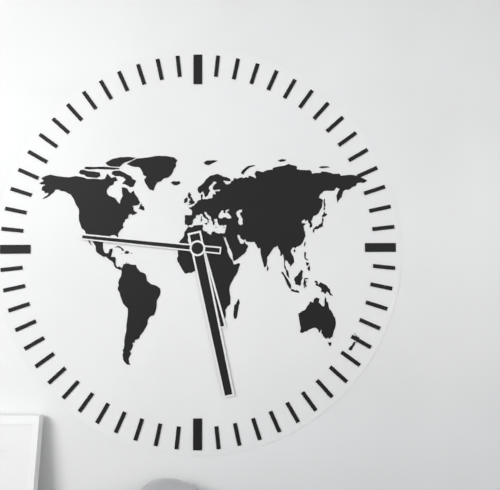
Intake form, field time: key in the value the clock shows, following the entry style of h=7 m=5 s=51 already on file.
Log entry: h=5 m=28 s=46
